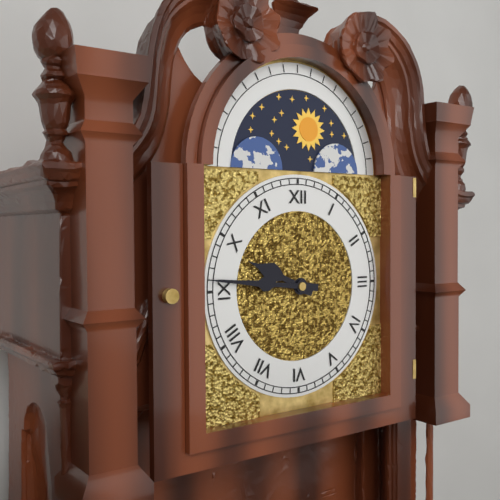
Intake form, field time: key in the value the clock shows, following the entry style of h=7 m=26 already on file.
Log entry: h=9 m=46
